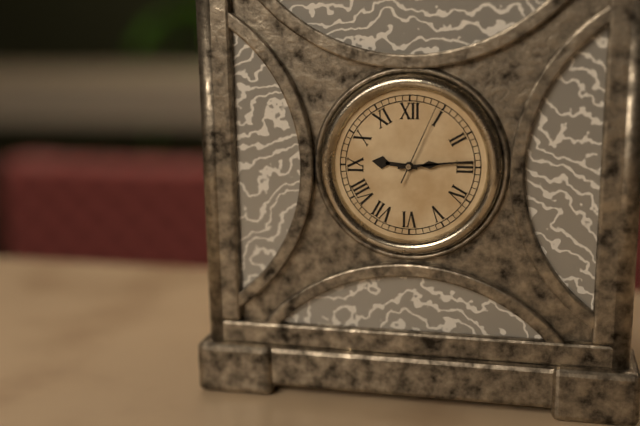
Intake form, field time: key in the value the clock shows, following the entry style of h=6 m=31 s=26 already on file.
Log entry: h=9 m=14 s=4
